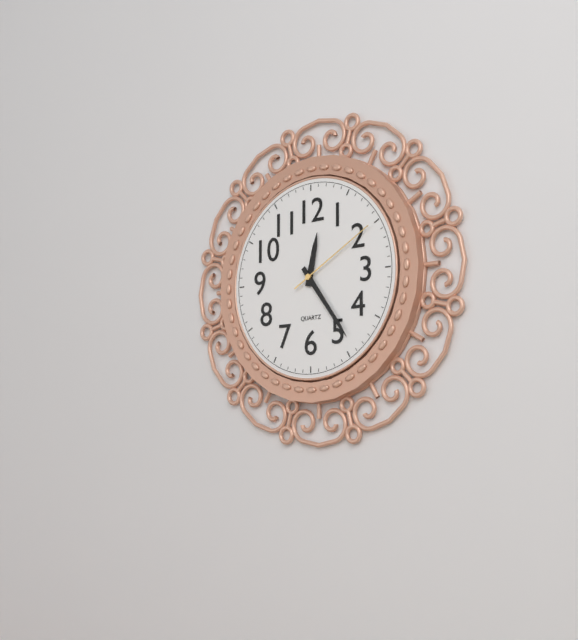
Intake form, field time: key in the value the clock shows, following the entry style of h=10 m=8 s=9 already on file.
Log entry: h=12 m=24 s=10
